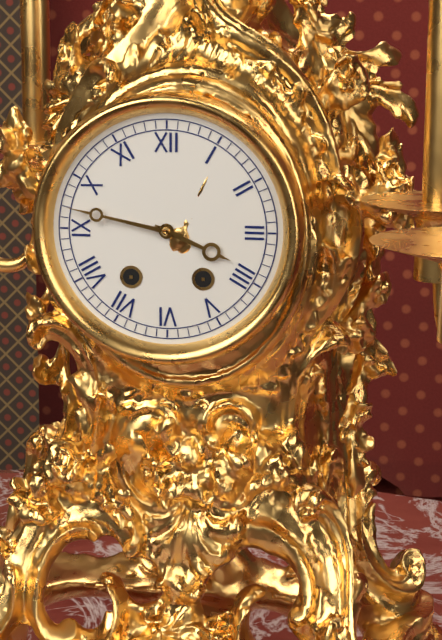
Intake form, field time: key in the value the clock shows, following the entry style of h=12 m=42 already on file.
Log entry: h=3 m=47
